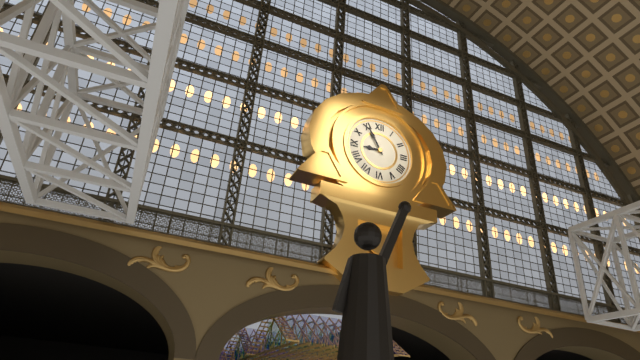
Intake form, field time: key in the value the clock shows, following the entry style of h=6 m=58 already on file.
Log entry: h=8 m=55
